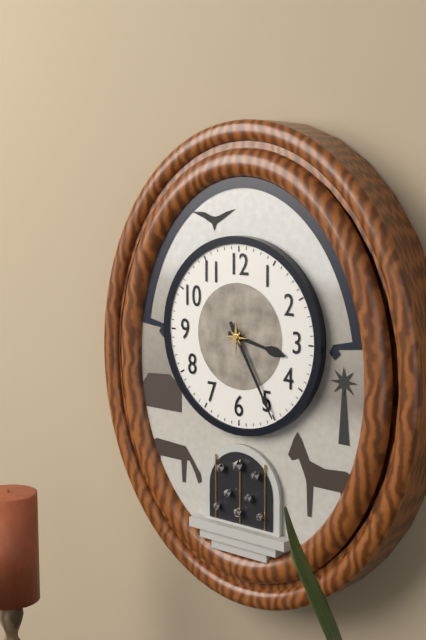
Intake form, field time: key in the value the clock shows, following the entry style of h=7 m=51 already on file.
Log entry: h=3 m=25
